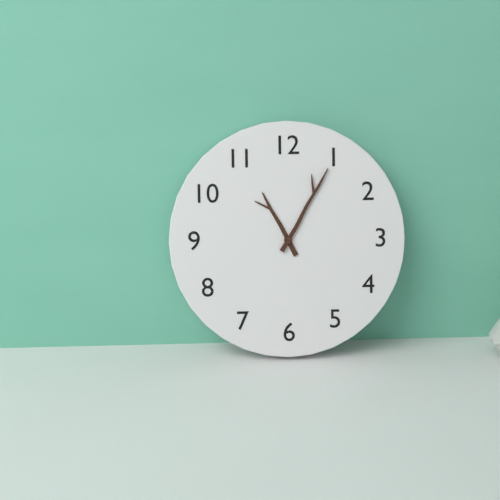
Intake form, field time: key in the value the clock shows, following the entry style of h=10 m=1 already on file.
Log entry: h=11 m=5
